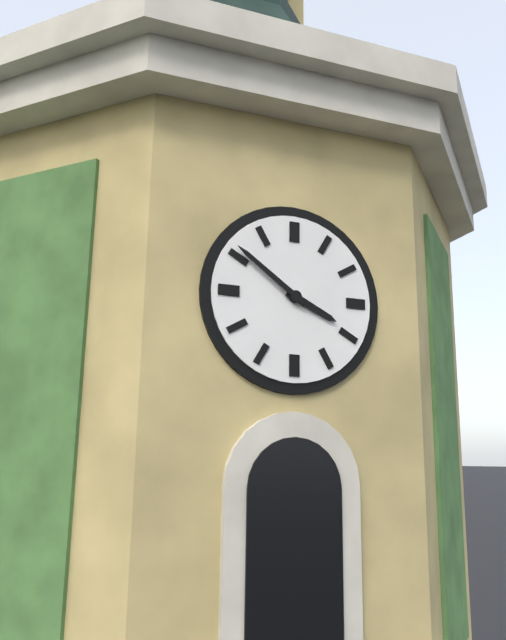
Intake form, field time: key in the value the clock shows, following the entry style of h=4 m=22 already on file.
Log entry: h=3 m=51
